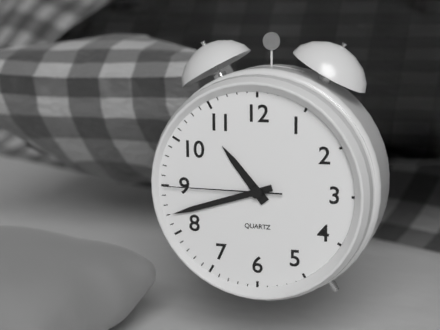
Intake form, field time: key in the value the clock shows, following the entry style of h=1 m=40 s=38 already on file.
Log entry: h=10 m=42 s=45
